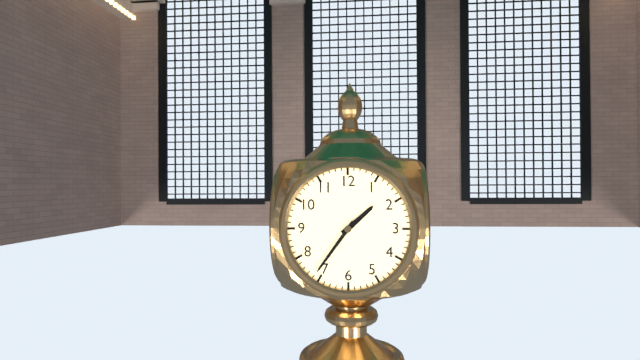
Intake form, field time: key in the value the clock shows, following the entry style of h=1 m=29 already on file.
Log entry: h=1 m=36
